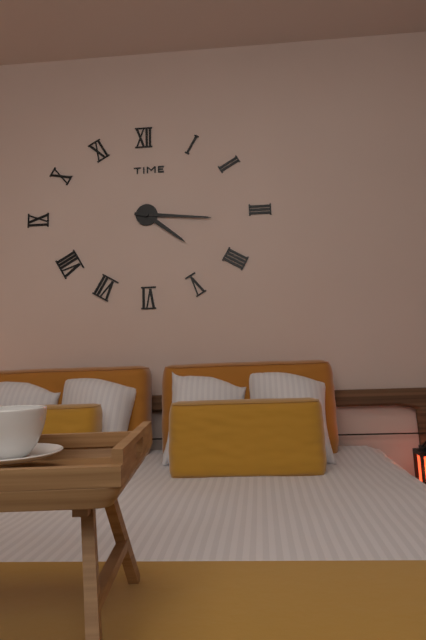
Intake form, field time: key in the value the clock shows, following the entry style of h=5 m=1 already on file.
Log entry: h=4 m=16
